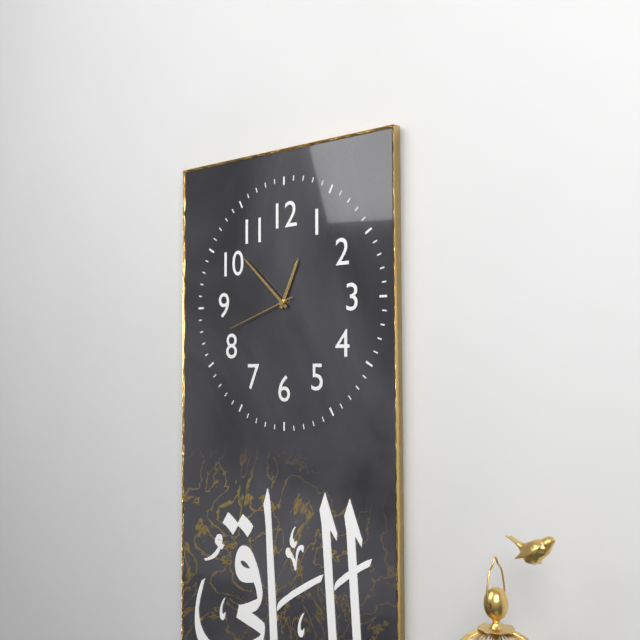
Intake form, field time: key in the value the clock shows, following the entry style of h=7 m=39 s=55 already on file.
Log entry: h=12 m=52 s=42
